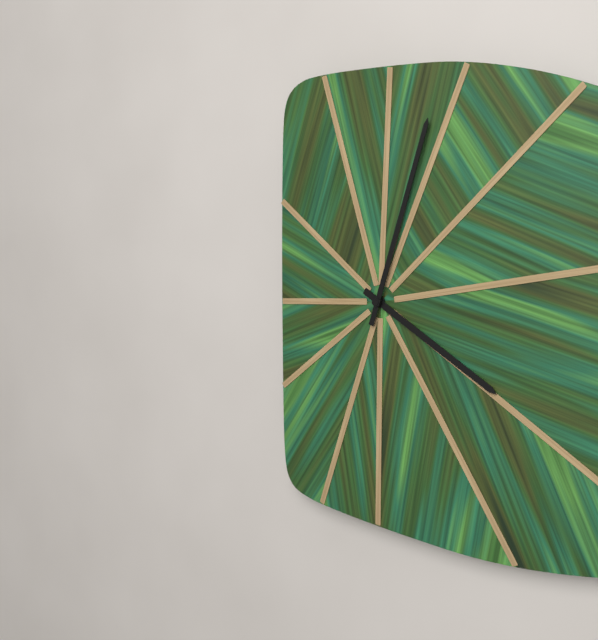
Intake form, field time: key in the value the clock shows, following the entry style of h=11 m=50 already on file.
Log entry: h=4 m=3
